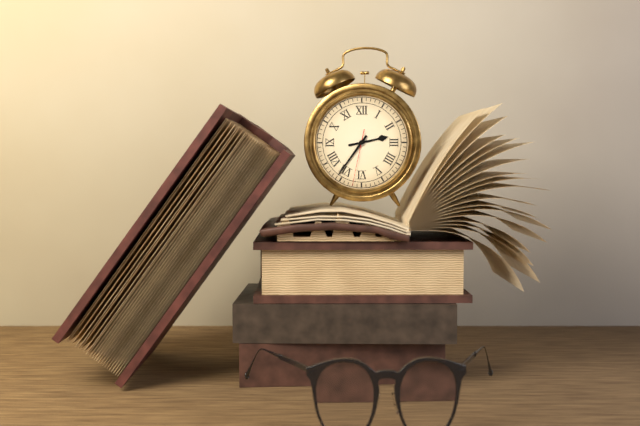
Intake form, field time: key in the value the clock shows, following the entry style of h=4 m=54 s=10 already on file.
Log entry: h=2 m=36 s=32
